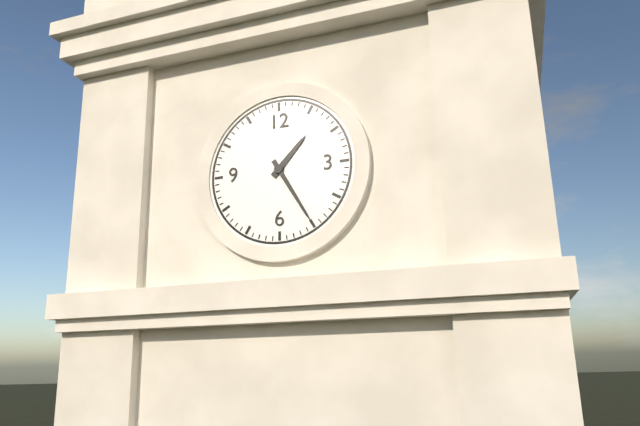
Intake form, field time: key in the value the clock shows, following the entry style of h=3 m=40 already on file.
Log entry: h=1 m=25
